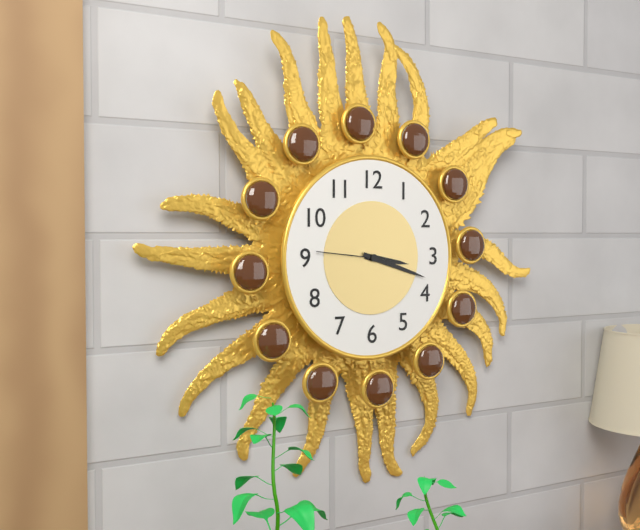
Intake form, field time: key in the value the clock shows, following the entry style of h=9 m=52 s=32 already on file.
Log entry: h=3 m=18 s=46
